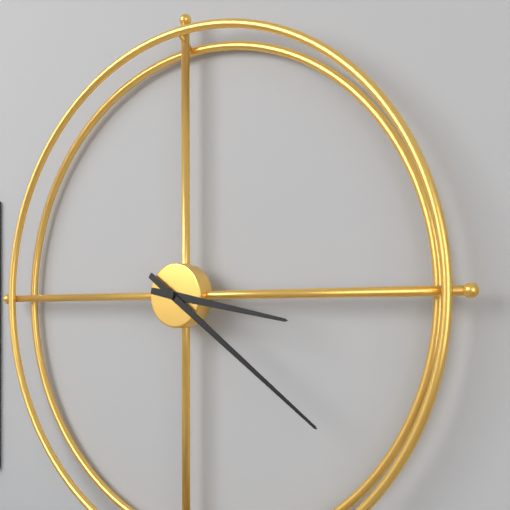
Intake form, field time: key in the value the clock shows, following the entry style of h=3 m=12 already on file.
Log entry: h=3 m=21
